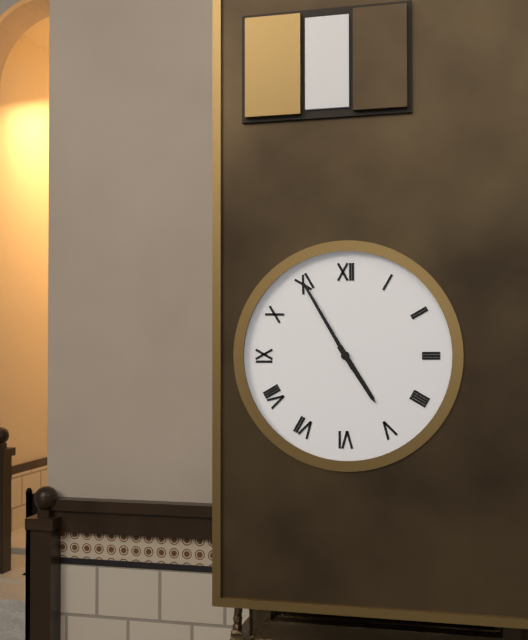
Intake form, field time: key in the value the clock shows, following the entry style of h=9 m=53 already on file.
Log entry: h=4 m=55
